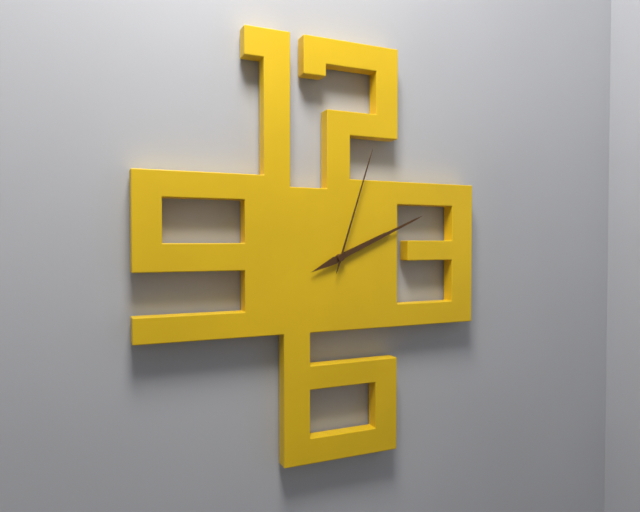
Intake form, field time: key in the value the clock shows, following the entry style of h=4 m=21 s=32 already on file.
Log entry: h=2 m=11 s=3
